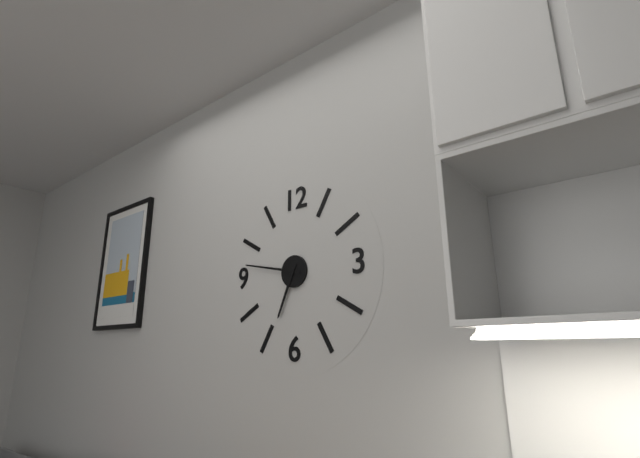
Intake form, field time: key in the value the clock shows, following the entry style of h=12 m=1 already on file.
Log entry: h=6 m=47
